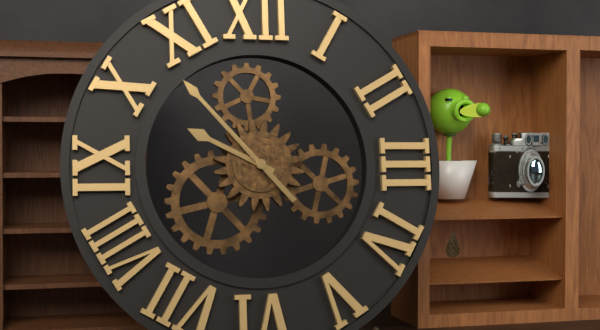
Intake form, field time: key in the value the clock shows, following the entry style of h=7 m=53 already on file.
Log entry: h=9 m=53
